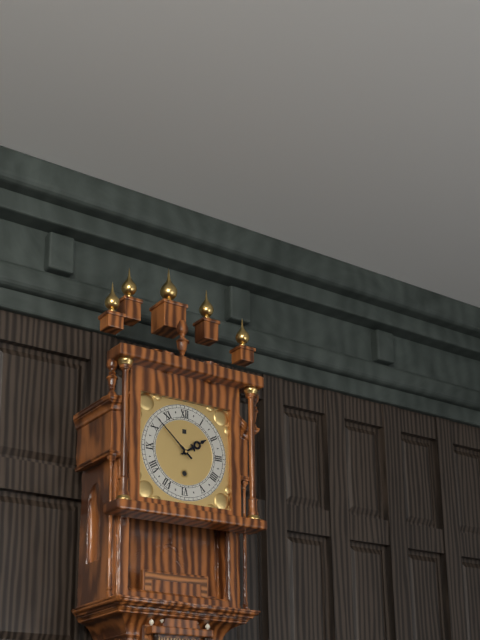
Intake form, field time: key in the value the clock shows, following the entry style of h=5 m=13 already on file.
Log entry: h=1 m=52
